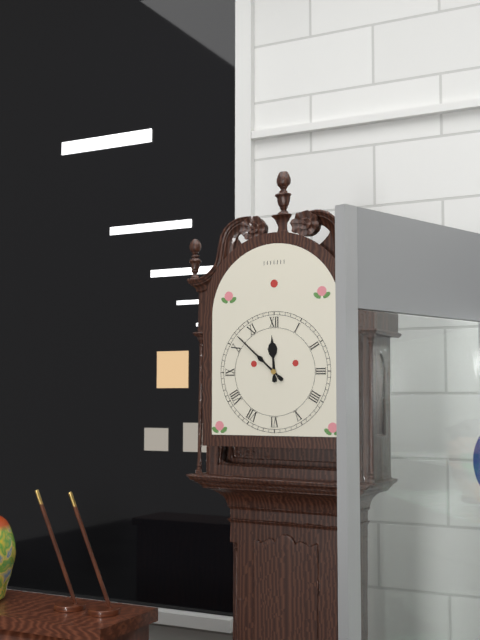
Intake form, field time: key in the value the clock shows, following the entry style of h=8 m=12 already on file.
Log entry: h=11 m=52
